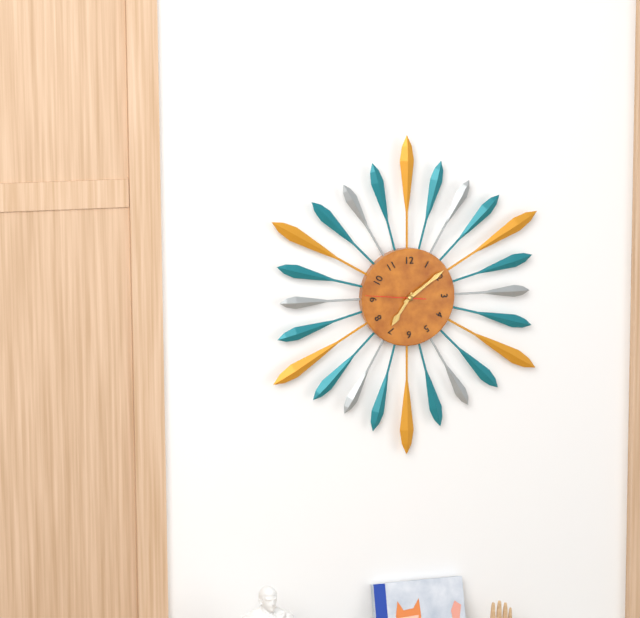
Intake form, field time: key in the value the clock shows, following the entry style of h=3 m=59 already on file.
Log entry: h=7 m=9
